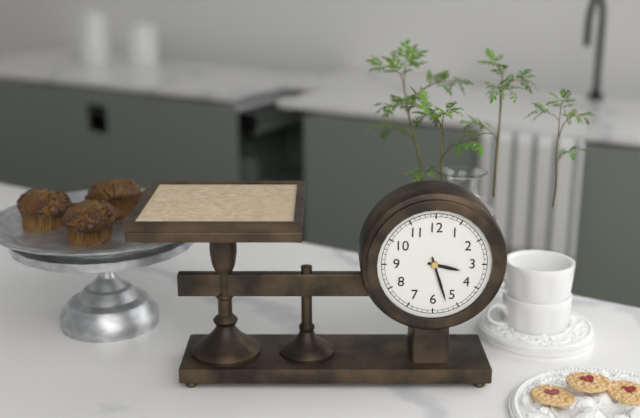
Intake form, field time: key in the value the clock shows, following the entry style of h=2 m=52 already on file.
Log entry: h=3 m=27
